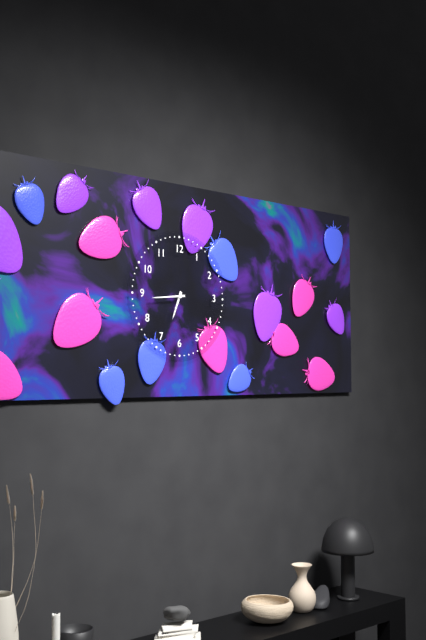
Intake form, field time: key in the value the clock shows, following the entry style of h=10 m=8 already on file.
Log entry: h=6 m=44
